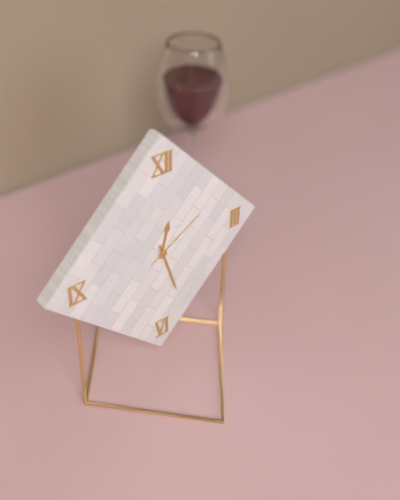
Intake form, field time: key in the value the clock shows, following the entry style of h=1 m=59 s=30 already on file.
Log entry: h=12 m=27 s=10
